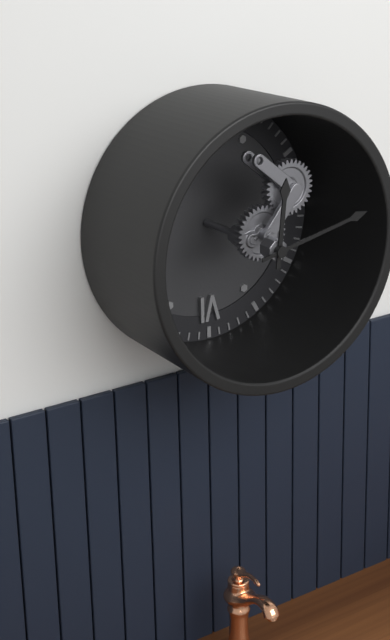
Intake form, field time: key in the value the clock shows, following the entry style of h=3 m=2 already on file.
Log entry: h=12 m=13
